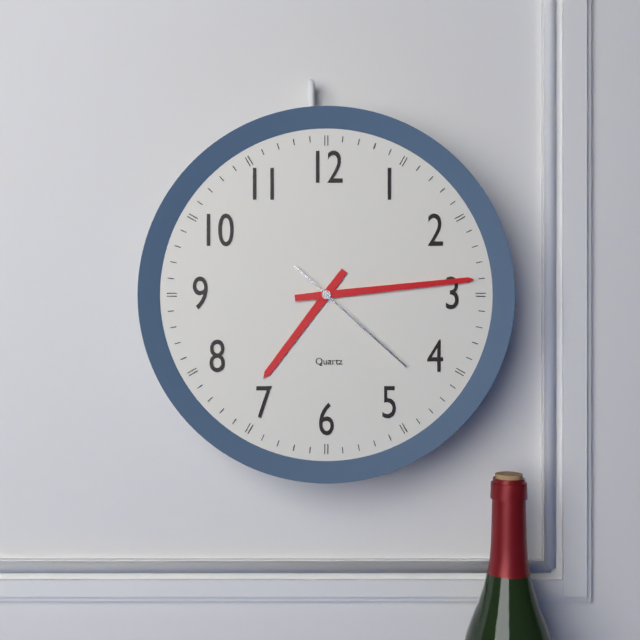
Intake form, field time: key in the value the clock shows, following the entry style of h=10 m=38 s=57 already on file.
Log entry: h=7 m=14 s=22
